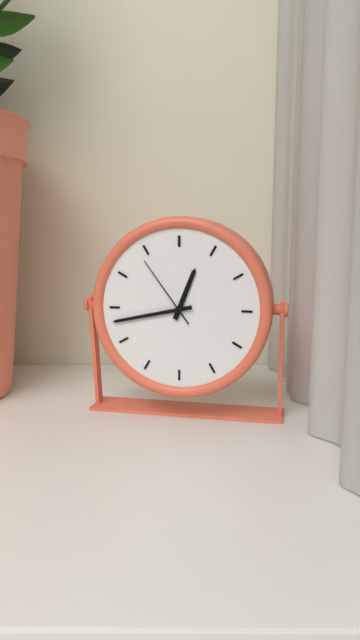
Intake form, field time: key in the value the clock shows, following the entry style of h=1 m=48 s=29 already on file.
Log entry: h=12 m=43 s=54
